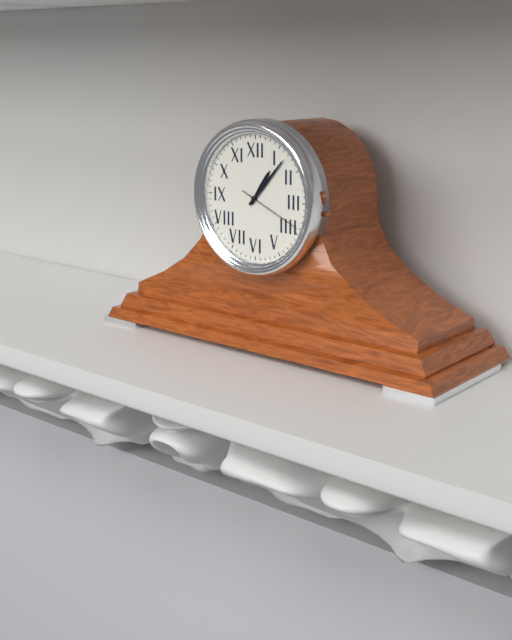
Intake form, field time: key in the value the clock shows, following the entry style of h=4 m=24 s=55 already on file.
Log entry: h=1 m=7 s=19
